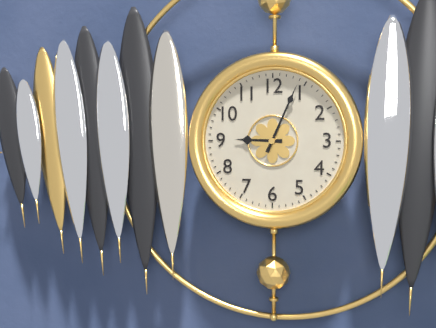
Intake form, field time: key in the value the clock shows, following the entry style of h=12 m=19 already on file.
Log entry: h=9 m=4
